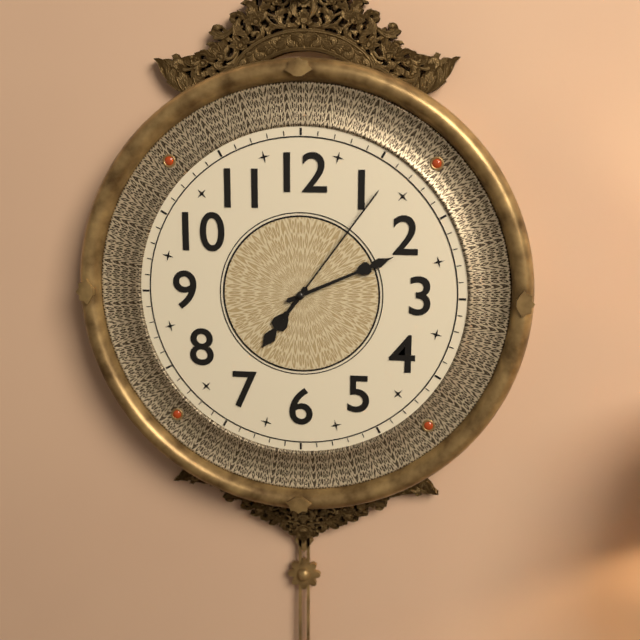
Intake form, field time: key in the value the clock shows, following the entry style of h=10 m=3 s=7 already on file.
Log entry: h=7 m=11 s=6
